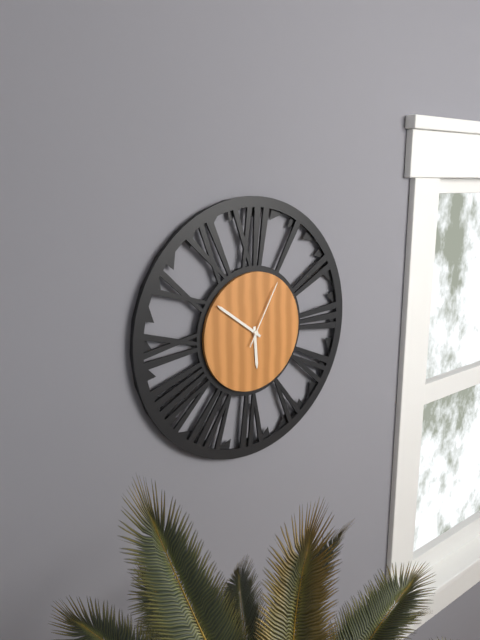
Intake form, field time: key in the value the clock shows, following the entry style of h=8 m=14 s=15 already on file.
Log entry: h=5 m=51 s=5
